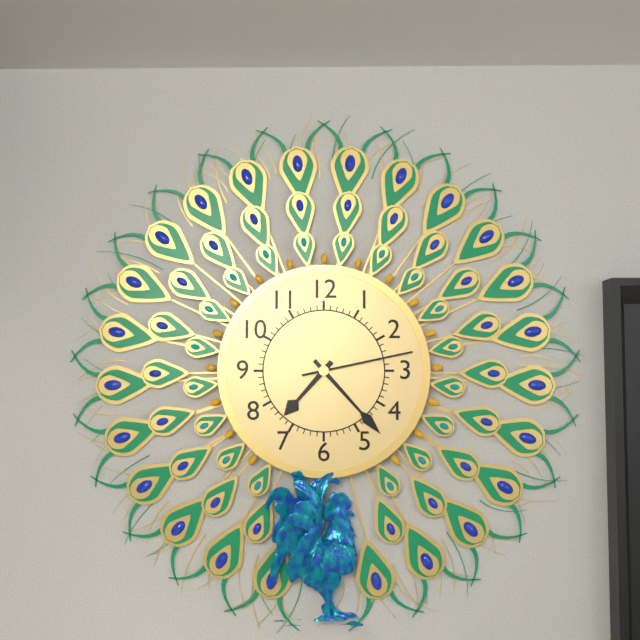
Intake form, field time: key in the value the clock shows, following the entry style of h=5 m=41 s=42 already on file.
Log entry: h=7 m=23 s=13
